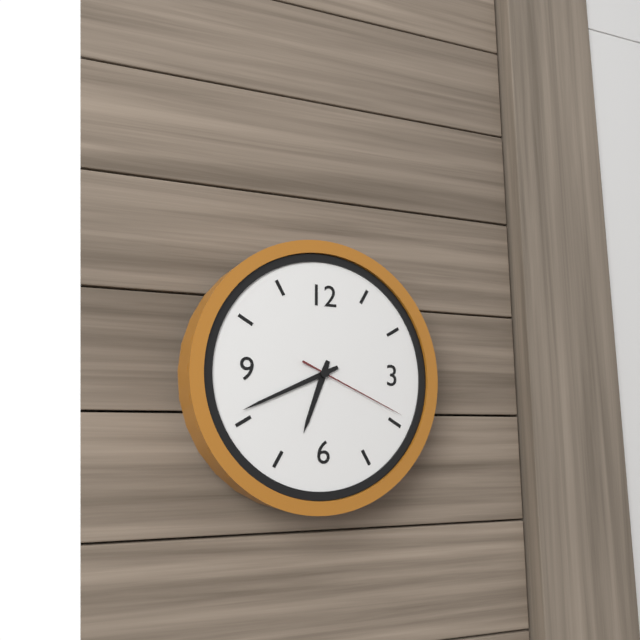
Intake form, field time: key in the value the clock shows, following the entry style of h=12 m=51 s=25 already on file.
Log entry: h=6 m=41 s=19
